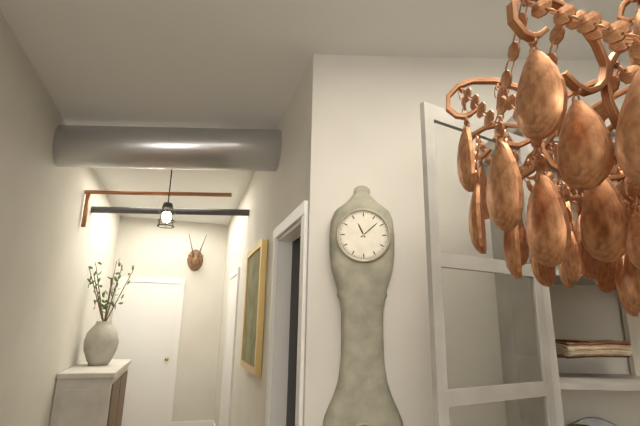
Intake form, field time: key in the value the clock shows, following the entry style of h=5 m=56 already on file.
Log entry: h=11 m=8
